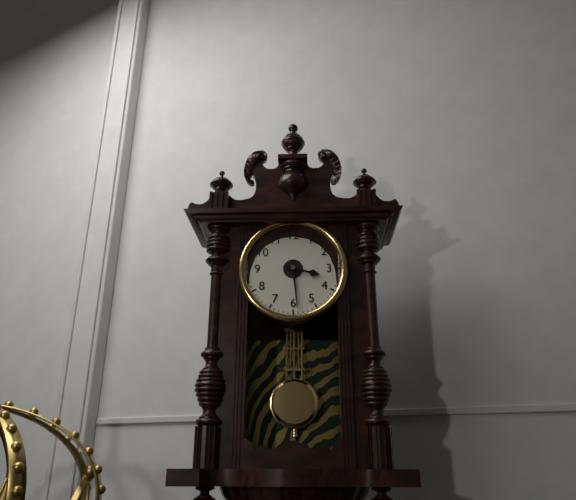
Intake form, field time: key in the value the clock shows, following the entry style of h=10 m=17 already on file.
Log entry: h=3 m=29
